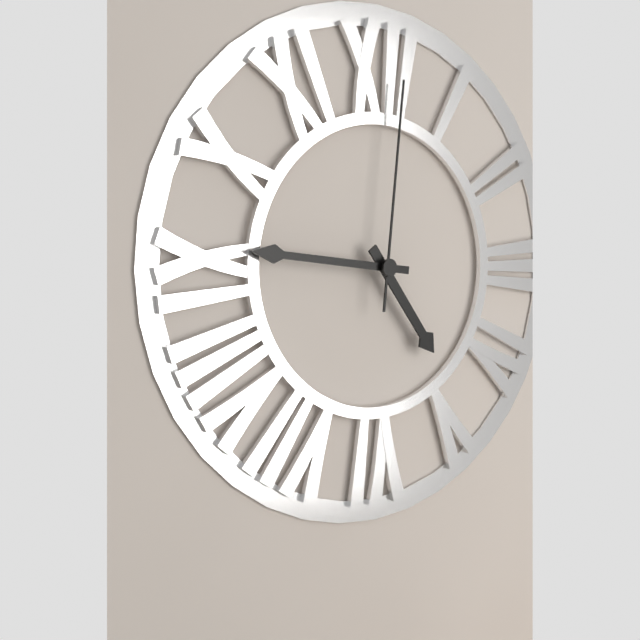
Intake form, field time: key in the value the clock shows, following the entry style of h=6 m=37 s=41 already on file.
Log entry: h=4 m=46 s=1
